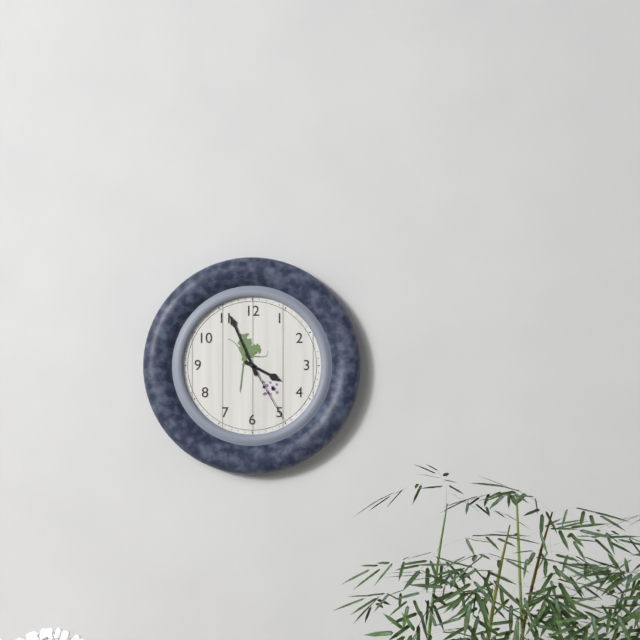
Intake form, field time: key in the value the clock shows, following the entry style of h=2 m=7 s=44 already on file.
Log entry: h=3 m=56 s=25
